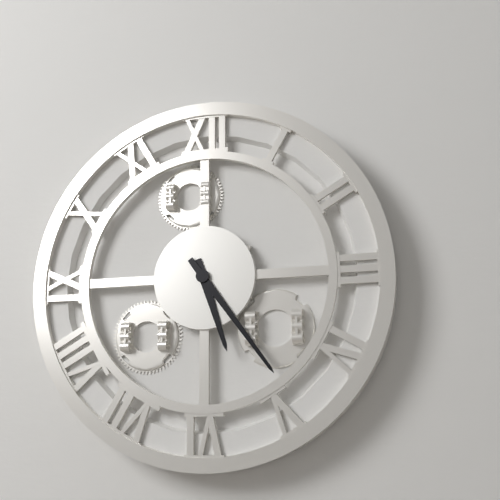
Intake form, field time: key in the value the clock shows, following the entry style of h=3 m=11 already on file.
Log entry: h=5 m=24
